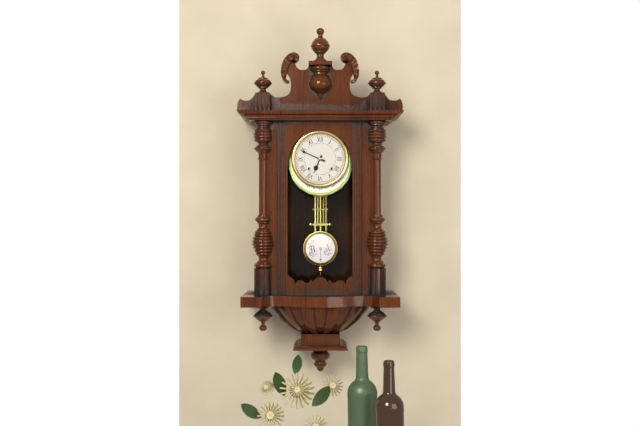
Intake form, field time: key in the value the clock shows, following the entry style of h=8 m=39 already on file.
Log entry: h=6 m=49
